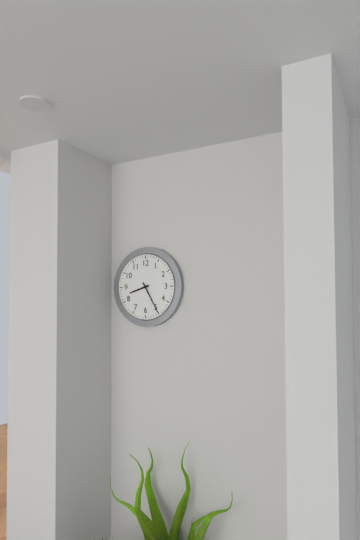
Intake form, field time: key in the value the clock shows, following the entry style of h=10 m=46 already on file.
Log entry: h=8 m=25
